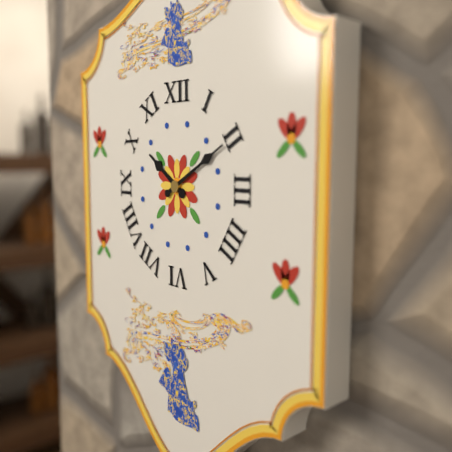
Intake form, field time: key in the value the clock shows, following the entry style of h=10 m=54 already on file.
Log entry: h=10 m=10
